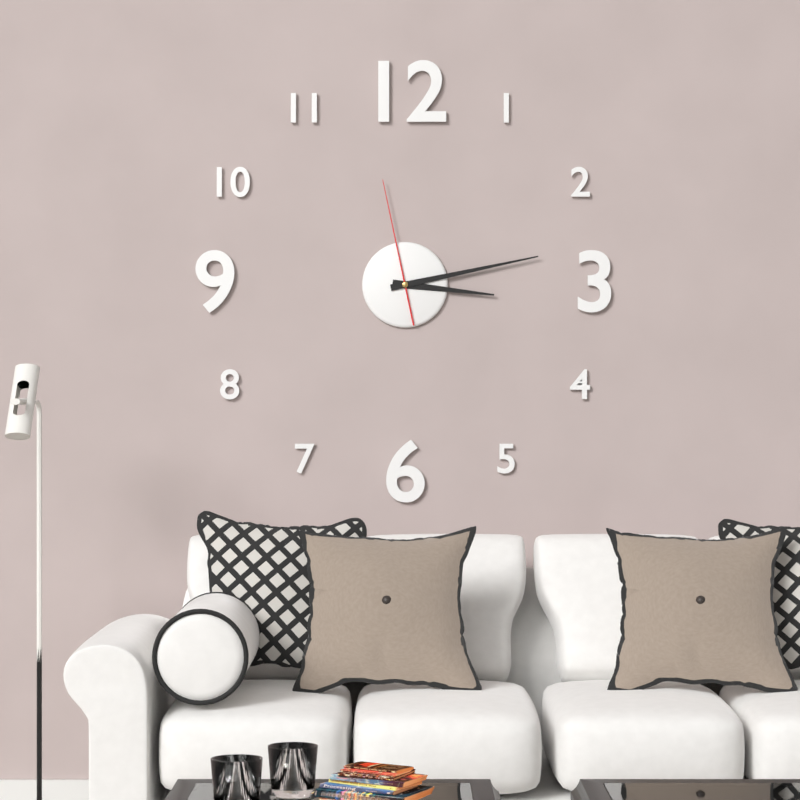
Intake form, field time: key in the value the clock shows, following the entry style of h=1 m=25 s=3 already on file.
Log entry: h=3 m=13 s=58
